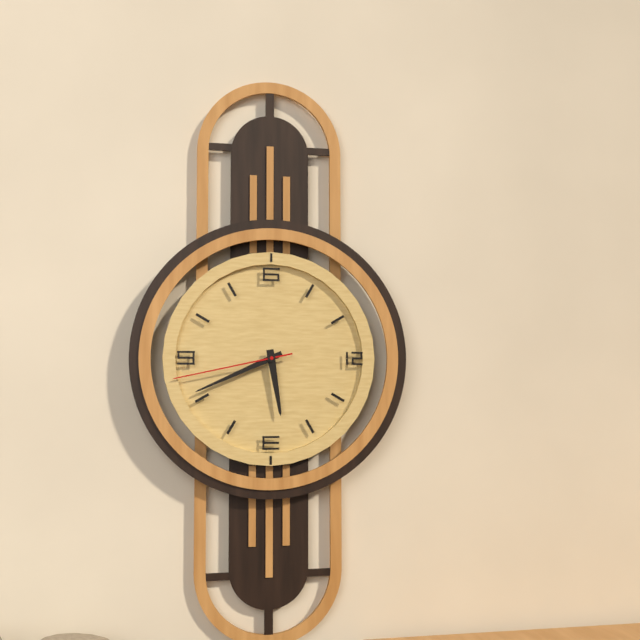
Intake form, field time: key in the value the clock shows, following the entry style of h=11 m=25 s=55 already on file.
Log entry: h=5 m=41 s=43
